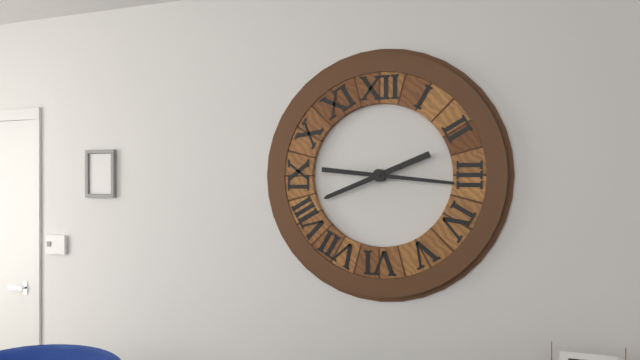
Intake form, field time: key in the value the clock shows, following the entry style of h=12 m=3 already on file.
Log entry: h=8 m=16
